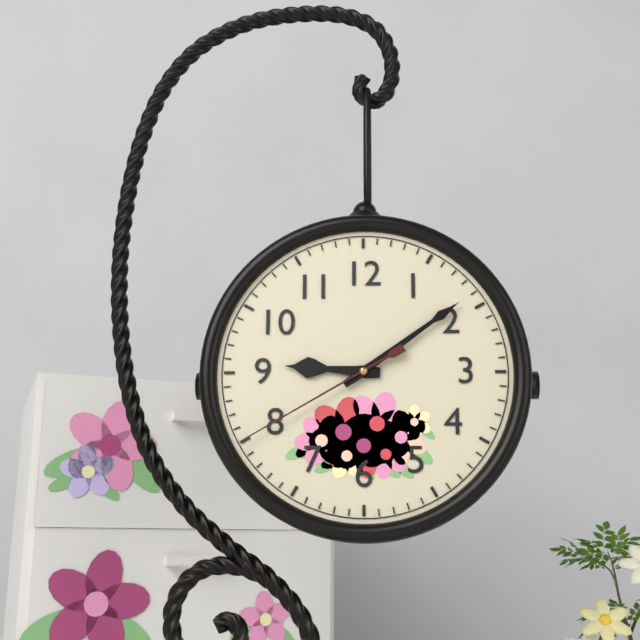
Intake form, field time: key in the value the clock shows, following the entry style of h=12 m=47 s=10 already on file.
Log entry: h=9 m=9 s=40
